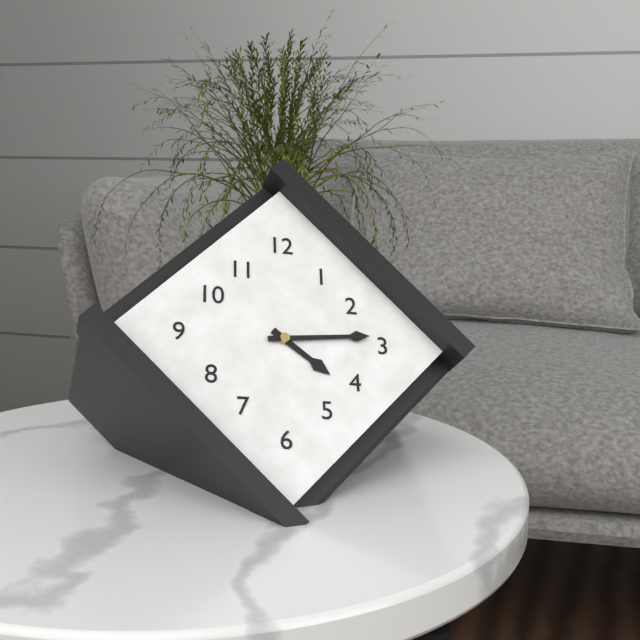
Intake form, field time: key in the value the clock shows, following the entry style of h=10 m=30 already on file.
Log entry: h=4 m=14
